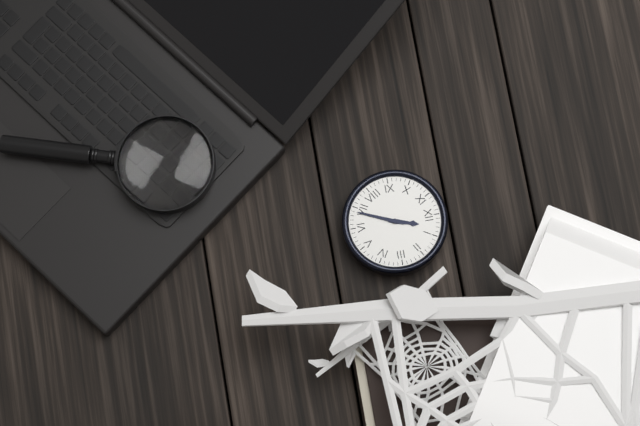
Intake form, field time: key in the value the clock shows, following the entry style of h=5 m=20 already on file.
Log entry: h=12 m=34
